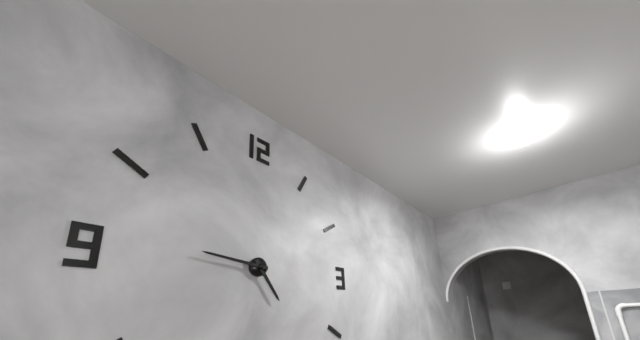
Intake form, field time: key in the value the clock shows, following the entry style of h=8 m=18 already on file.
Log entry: h=4 m=46
